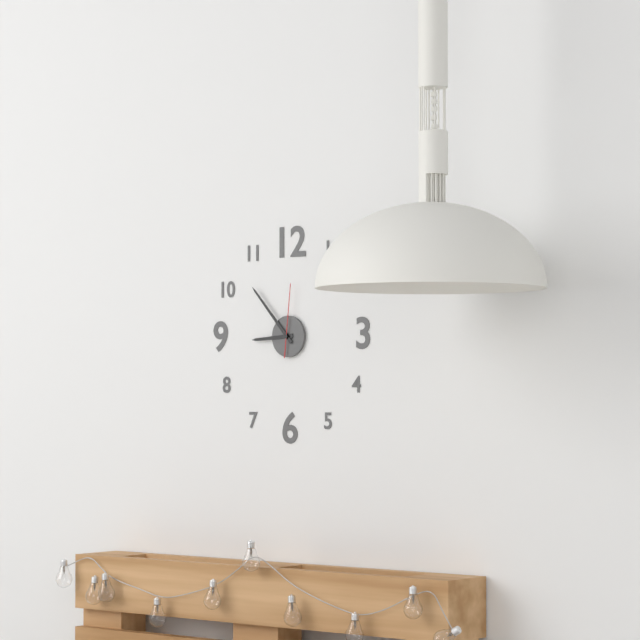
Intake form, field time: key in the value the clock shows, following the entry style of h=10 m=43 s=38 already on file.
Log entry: h=8 m=53 s=1
